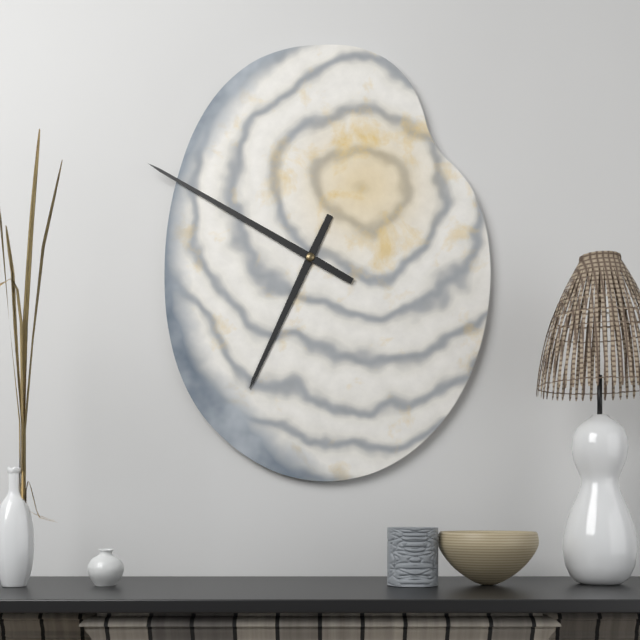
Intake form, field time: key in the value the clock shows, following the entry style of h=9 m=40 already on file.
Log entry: h=6 m=50
